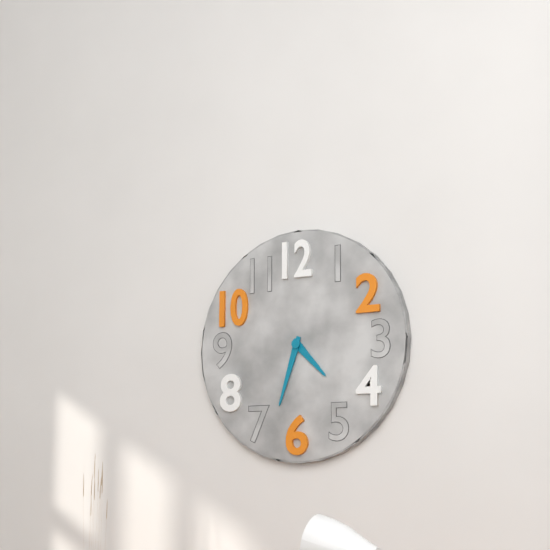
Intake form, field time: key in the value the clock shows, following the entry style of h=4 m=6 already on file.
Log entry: h=4 m=33
